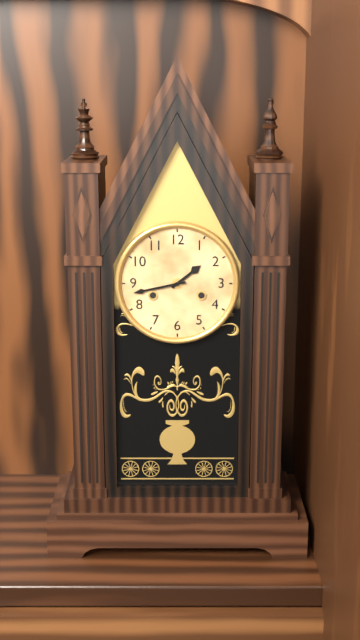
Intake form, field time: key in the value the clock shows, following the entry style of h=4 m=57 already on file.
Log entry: h=1 m=43
